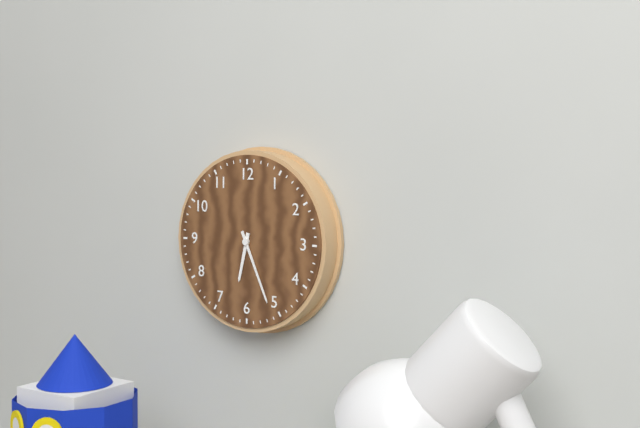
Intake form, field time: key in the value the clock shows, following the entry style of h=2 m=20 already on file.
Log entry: h=6 m=26
